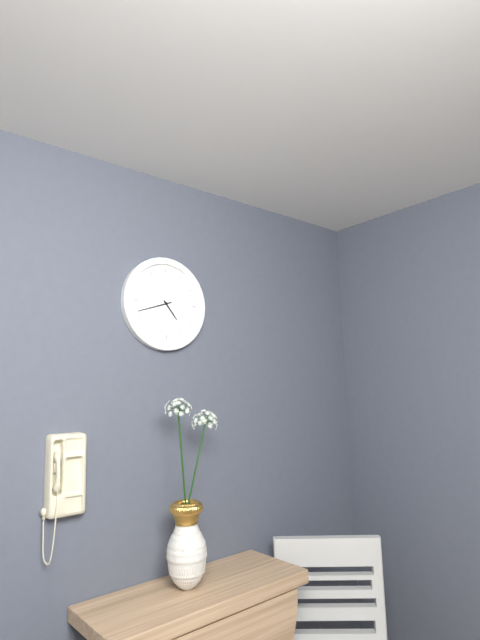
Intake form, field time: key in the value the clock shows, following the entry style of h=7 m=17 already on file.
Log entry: h=4 m=42
